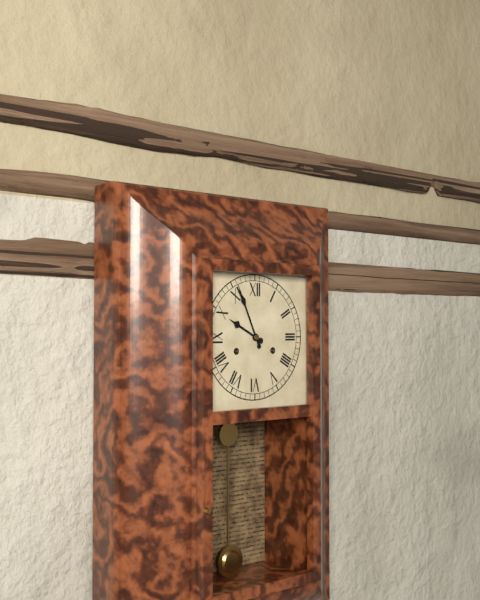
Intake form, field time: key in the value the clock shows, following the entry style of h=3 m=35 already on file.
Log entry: h=9 m=56
